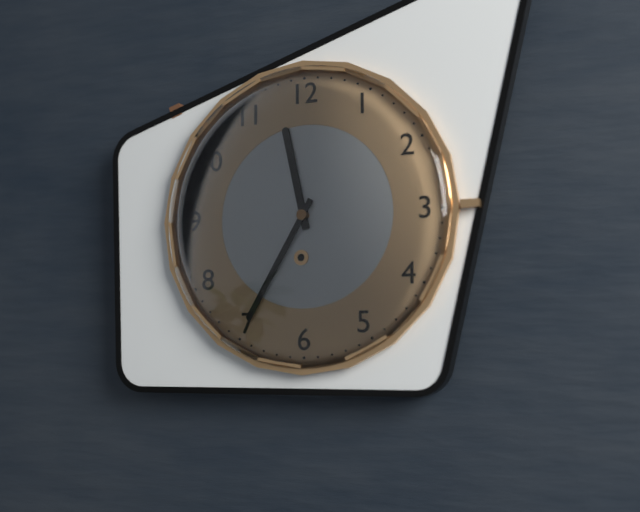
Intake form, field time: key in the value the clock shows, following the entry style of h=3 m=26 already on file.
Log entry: h=11 m=35
